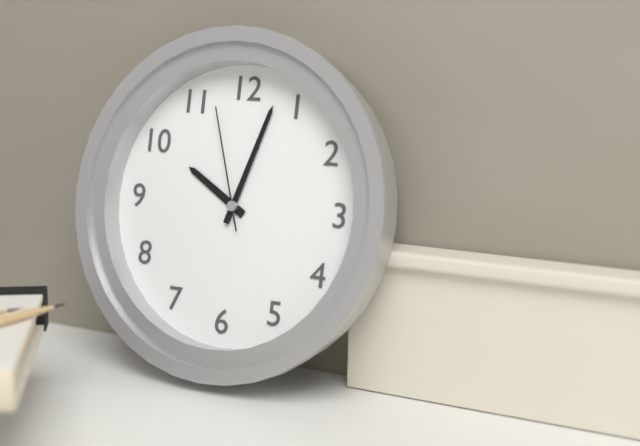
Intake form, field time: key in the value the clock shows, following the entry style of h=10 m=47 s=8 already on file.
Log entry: h=10 m=3 s=57
